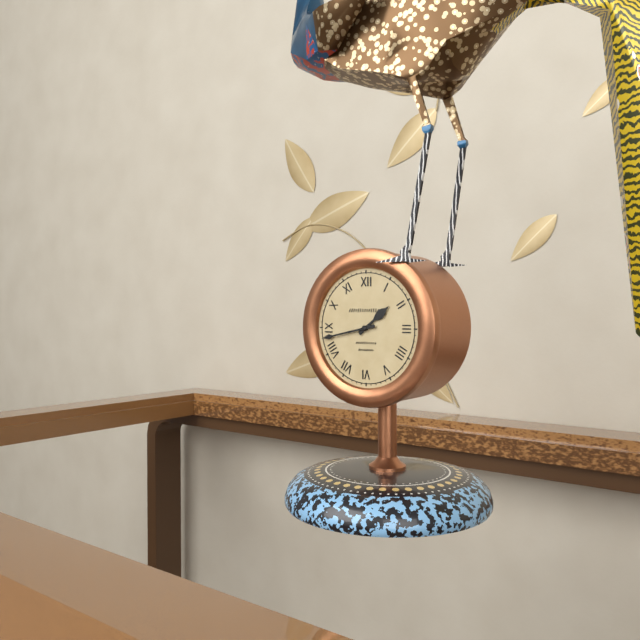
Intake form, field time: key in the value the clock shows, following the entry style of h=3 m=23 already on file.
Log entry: h=1 m=43
